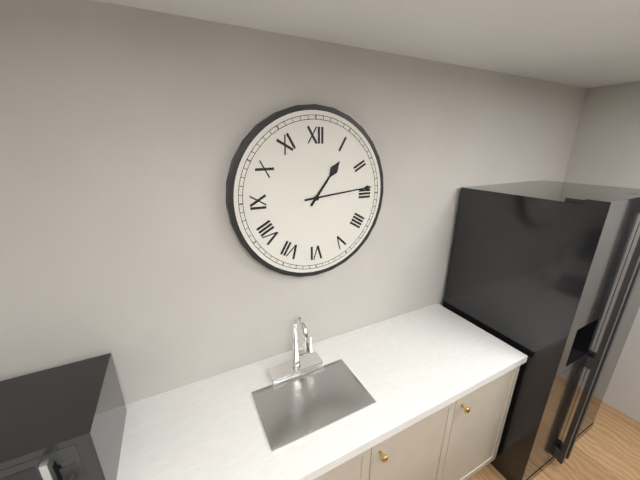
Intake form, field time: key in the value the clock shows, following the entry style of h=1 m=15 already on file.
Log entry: h=1 m=14
